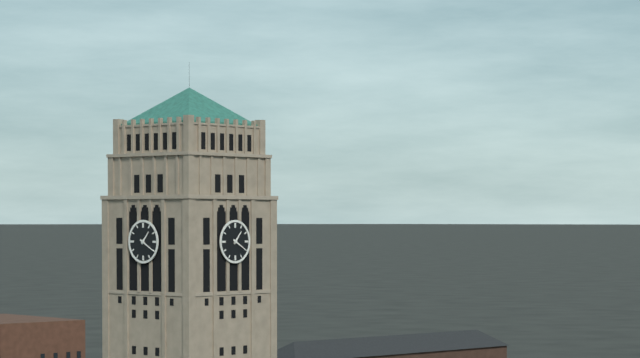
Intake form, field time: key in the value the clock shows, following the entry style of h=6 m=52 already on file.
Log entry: h=1 m=20
